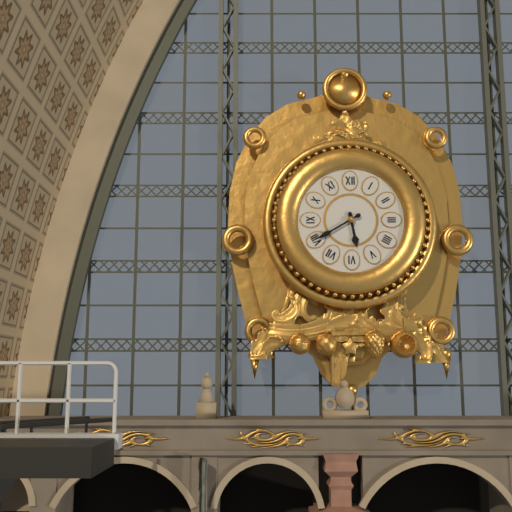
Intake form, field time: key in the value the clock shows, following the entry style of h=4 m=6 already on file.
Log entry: h=5 m=40
